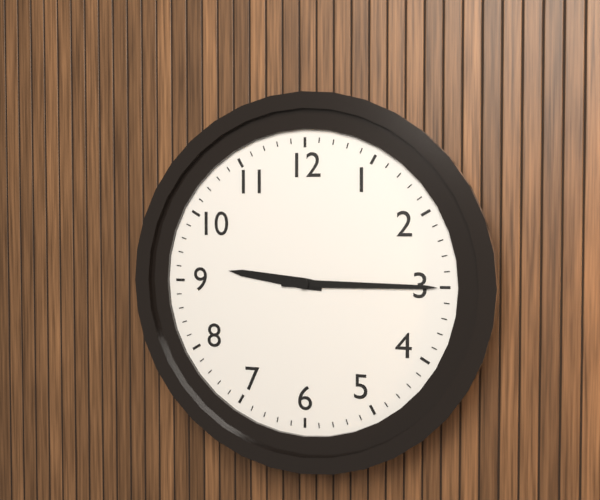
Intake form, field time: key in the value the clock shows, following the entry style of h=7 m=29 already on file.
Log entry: h=9 m=15
